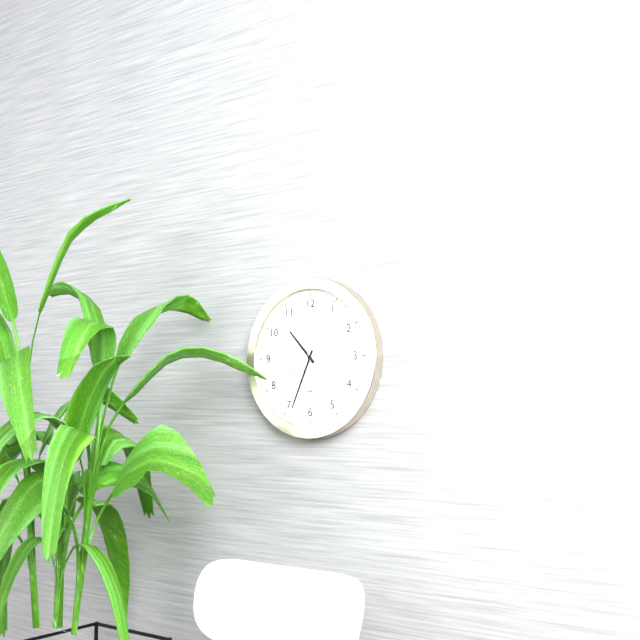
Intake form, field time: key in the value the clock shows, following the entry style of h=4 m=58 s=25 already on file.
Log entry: h=10 m=34 s=56
